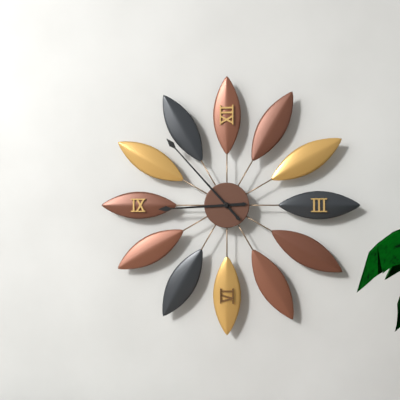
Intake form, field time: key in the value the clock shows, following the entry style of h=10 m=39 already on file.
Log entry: h=8 m=53
